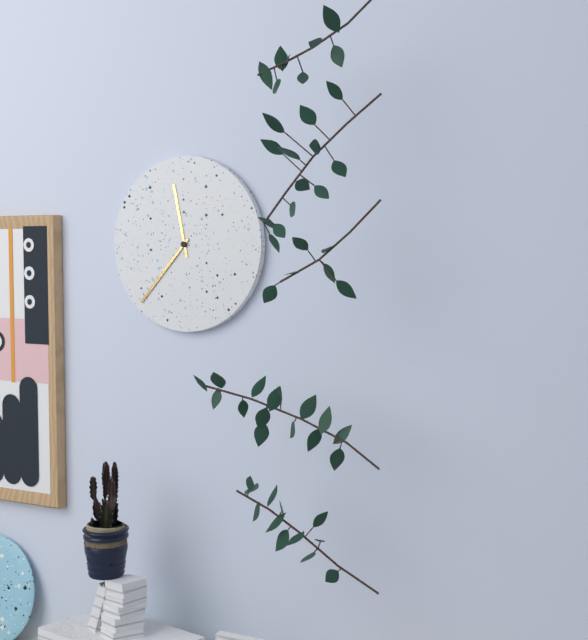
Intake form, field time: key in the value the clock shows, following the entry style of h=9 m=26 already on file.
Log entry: h=11 m=37
